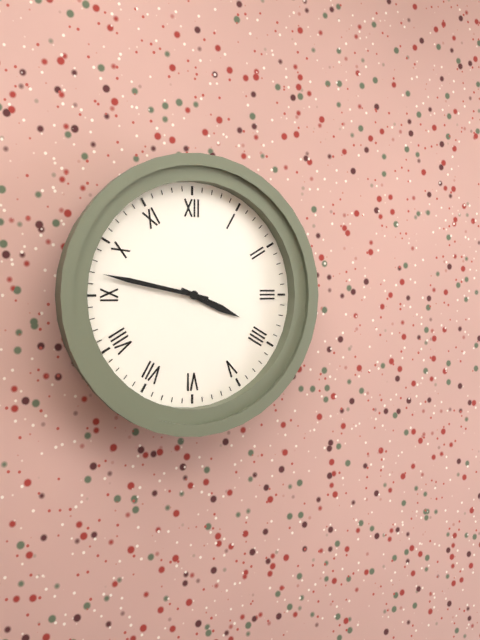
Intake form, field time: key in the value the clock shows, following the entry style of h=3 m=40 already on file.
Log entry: h=3 m=47
